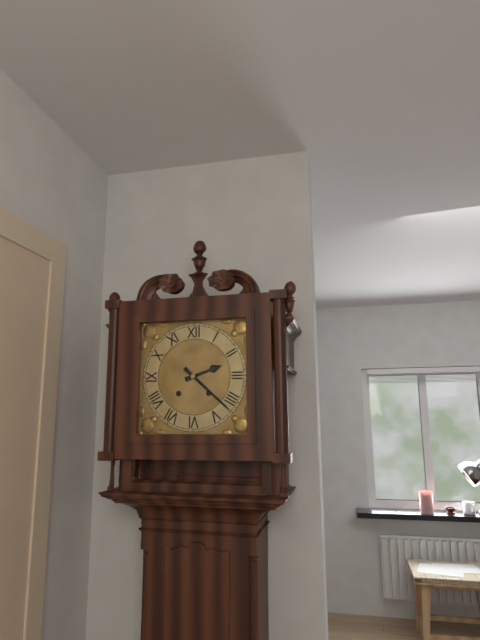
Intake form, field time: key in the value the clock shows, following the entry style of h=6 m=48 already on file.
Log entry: h=2 m=22
